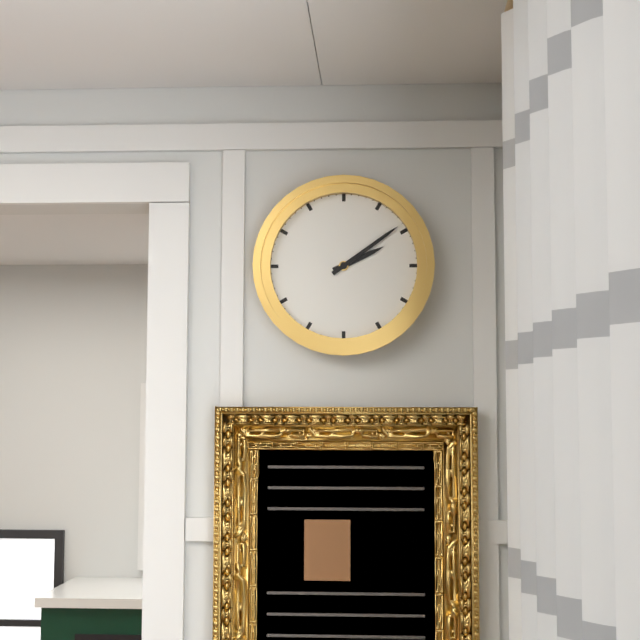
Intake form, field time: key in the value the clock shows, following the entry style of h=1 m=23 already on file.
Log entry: h=2 m=9
